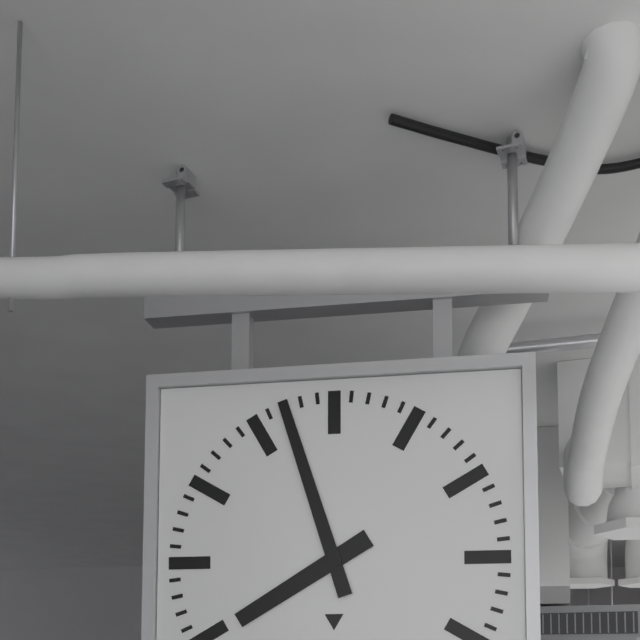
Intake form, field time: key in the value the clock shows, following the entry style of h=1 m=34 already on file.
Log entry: h=7 m=57
